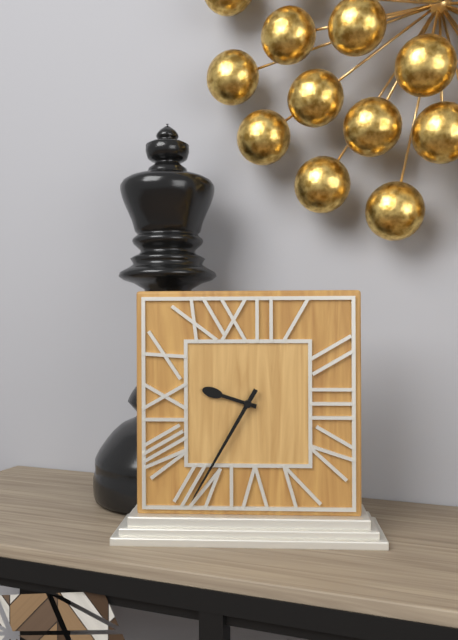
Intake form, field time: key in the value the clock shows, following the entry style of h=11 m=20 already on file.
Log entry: h=9 m=35
